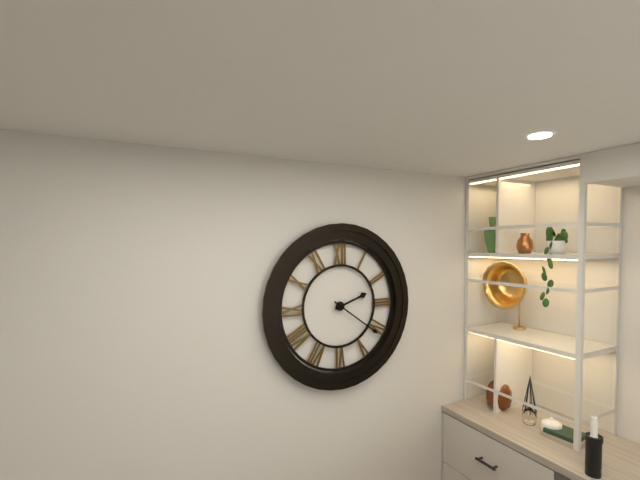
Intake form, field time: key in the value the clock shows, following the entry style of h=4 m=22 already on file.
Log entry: h=2 m=21
